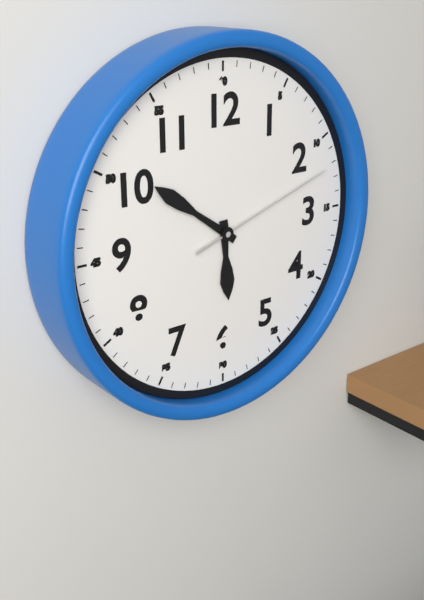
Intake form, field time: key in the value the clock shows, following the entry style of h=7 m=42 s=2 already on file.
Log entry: h=5 m=51 s=12
